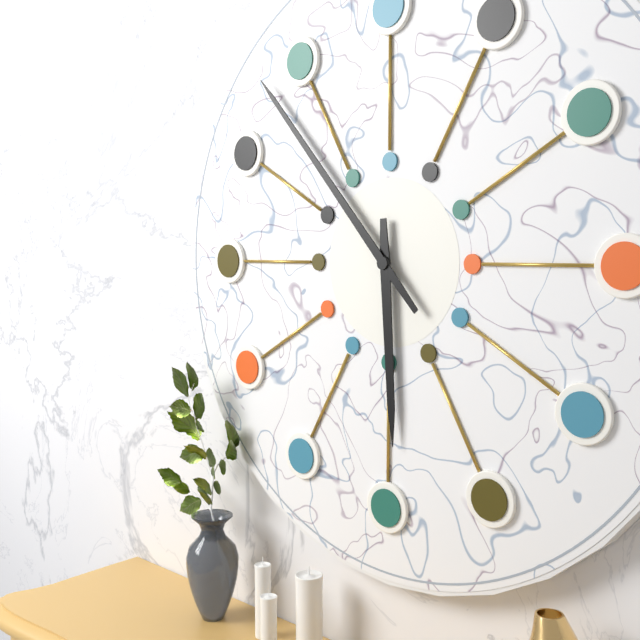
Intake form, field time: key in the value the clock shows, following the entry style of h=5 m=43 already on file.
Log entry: h=5 m=53
